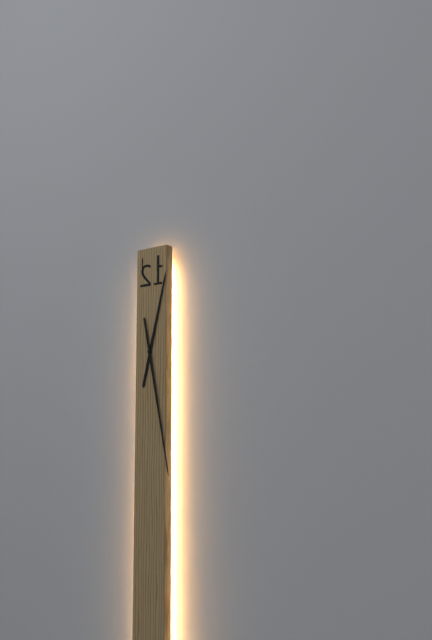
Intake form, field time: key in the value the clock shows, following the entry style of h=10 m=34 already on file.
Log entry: h=12 m=28
